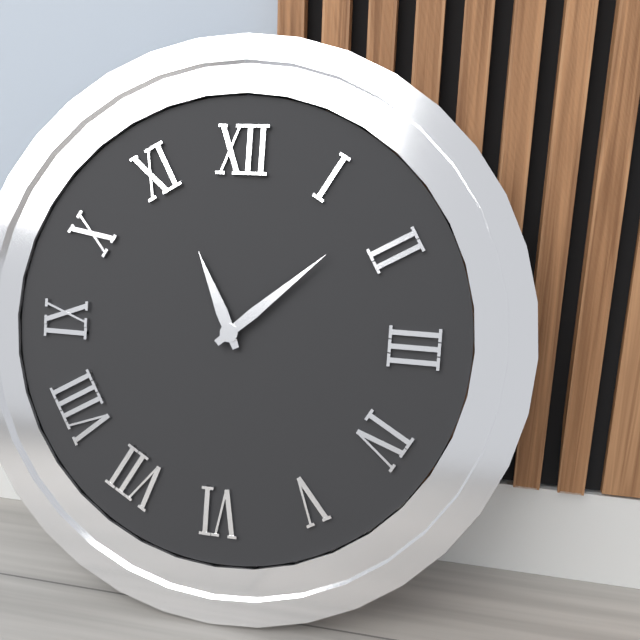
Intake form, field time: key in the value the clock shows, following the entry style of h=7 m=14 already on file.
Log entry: h=11 m=8
